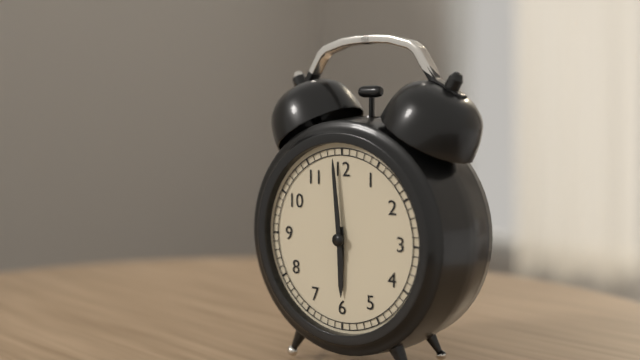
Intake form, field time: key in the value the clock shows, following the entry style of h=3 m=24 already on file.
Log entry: h=5 m=59
